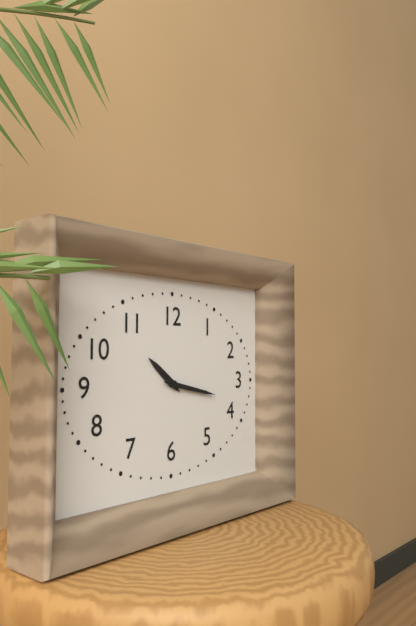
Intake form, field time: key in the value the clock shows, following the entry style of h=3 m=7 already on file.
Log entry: h=10 m=17
